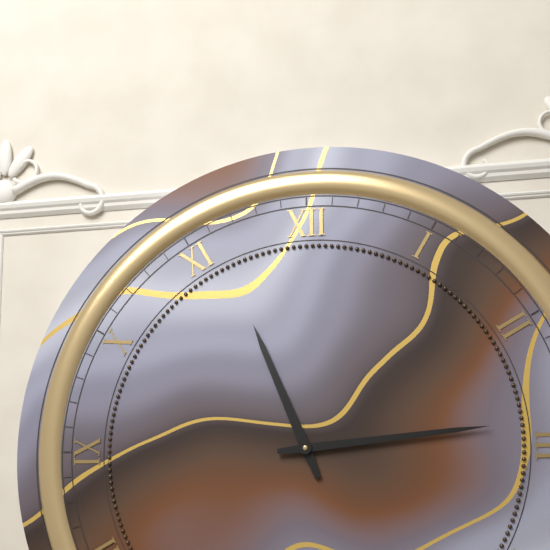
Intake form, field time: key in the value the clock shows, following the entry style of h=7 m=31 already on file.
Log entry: h=11 m=14
